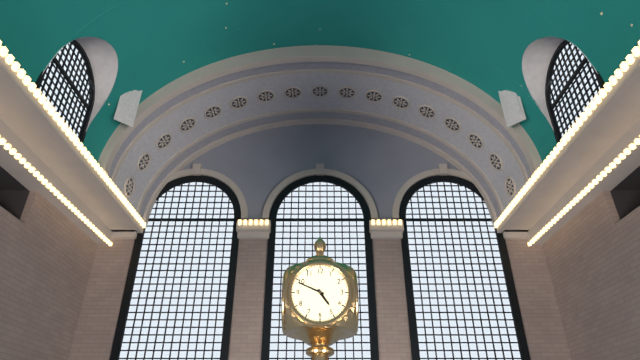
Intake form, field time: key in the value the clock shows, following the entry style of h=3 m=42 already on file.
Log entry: h=4 m=49
